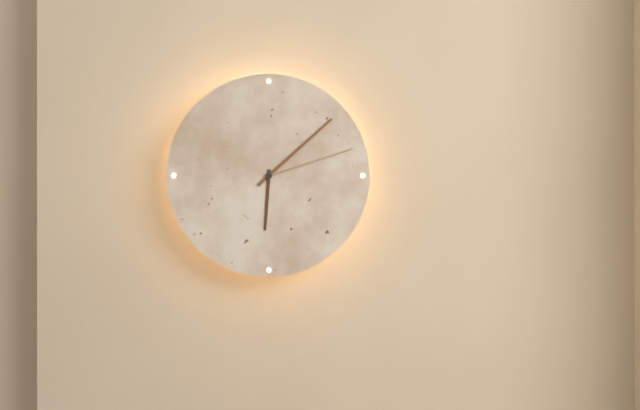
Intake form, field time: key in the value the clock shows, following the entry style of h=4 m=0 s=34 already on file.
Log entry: h=6 m=8 s=12
